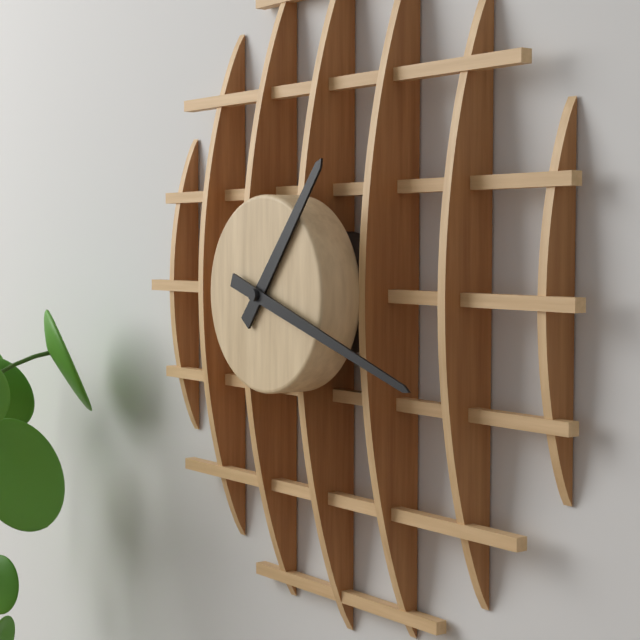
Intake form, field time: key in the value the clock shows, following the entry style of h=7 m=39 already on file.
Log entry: h=1 m=18
